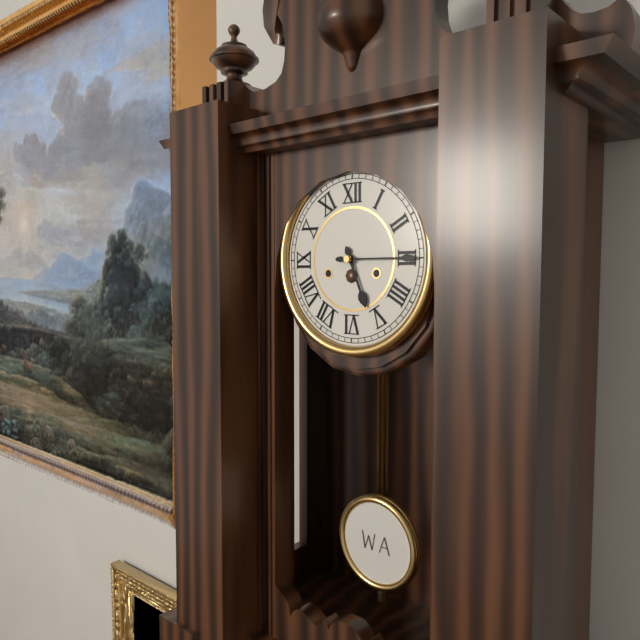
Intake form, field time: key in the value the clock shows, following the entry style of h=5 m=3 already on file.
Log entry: h=5 m=15
